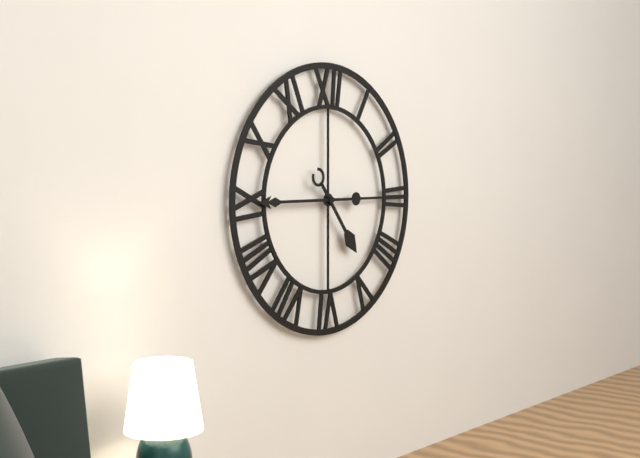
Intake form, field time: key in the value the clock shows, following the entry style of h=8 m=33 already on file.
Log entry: h=4 m=45
